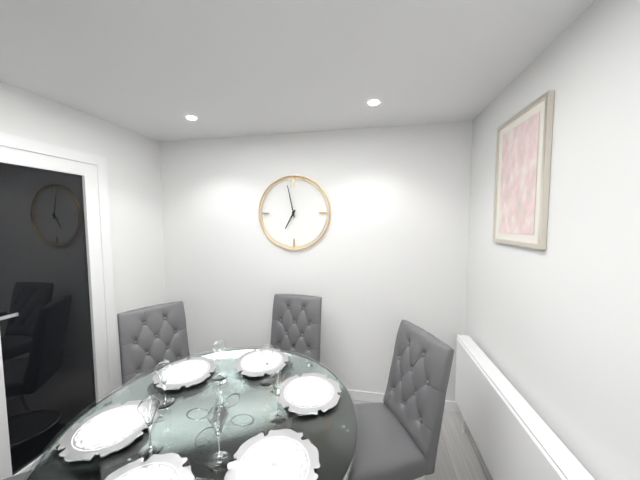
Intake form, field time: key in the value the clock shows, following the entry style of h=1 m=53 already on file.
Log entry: h=6 m=58
